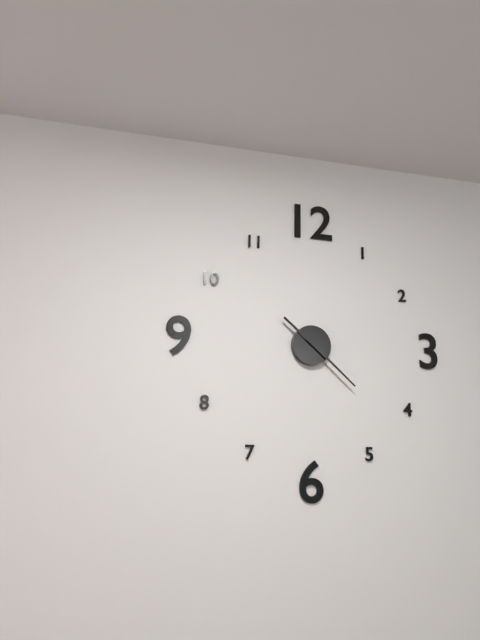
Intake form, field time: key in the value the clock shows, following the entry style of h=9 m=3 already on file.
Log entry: h=10 m=22
